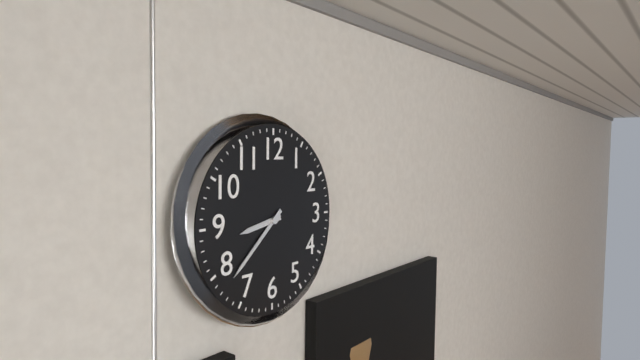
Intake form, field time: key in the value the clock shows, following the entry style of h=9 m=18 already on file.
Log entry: h=8 m=38
